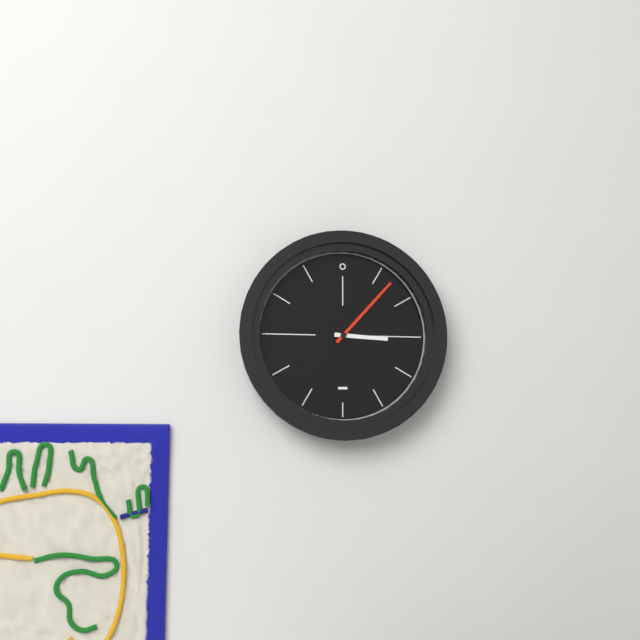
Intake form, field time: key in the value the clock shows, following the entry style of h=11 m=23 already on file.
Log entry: h=3 m=7
